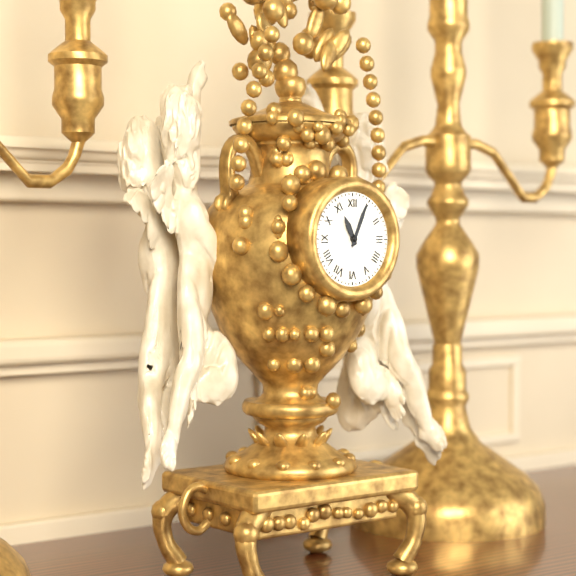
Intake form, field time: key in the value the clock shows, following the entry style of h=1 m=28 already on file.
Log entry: h=11 m=4
